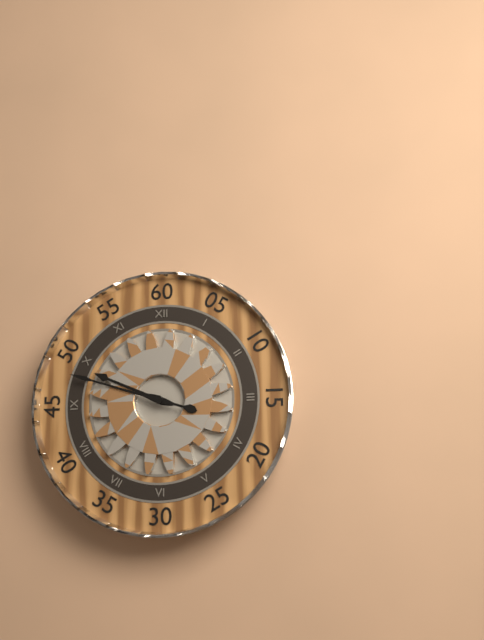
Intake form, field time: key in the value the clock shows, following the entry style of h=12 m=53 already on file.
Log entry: h=9 m=48
